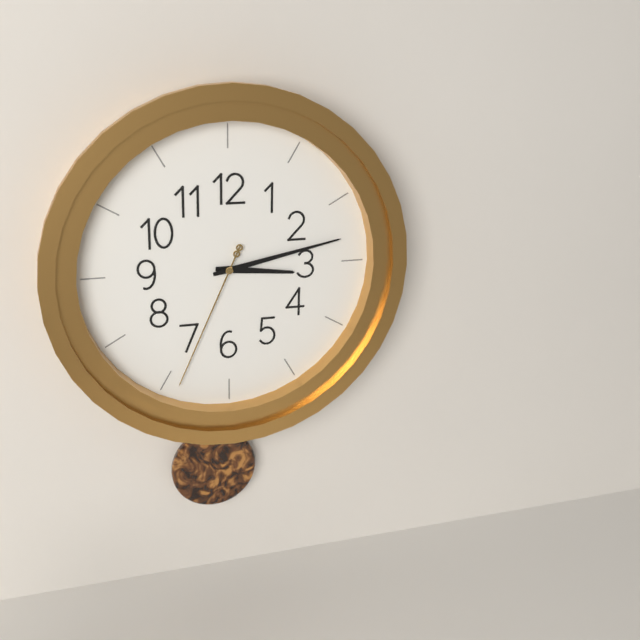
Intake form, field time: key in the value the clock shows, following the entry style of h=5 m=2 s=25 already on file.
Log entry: h=3 m=13 s=34
